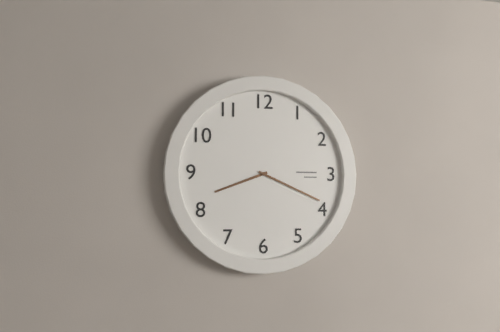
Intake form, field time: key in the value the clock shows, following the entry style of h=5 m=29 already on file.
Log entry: h=8 m=19
